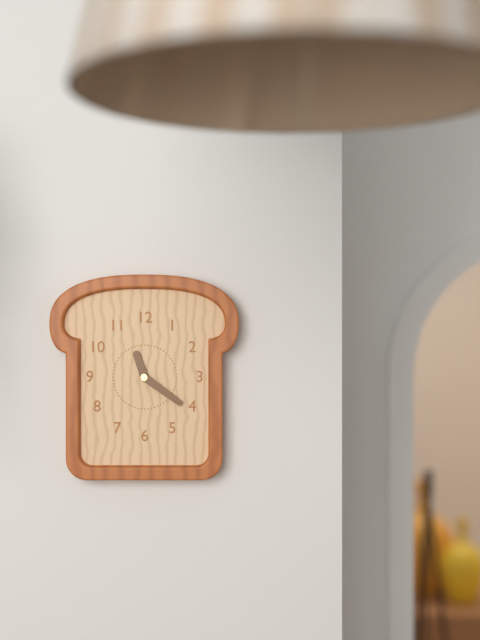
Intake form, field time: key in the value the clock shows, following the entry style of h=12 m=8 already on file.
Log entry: h=11 m=21
